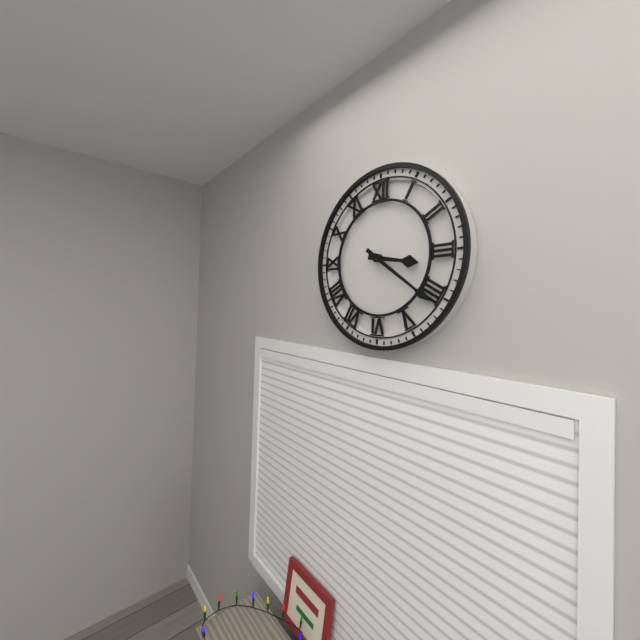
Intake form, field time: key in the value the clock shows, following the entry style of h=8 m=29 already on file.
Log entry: h=3 m=21
